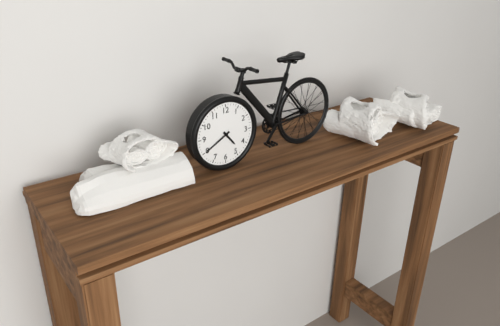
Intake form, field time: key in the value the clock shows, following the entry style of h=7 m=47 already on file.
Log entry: h=4 m=40
